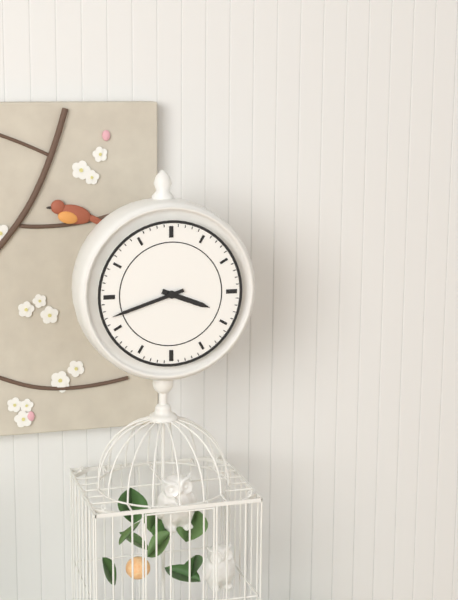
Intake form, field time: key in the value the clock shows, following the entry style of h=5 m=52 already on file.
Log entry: h=3 m=42
